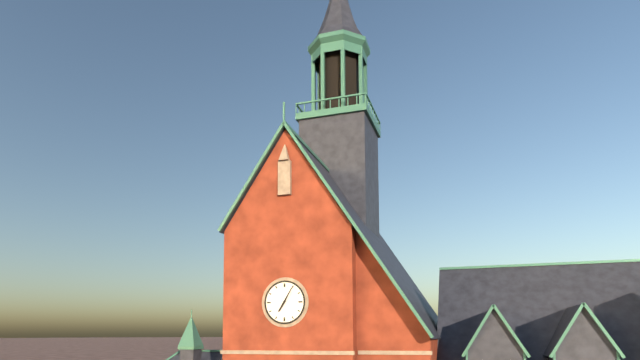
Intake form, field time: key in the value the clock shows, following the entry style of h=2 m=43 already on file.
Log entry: h=7 m=5
